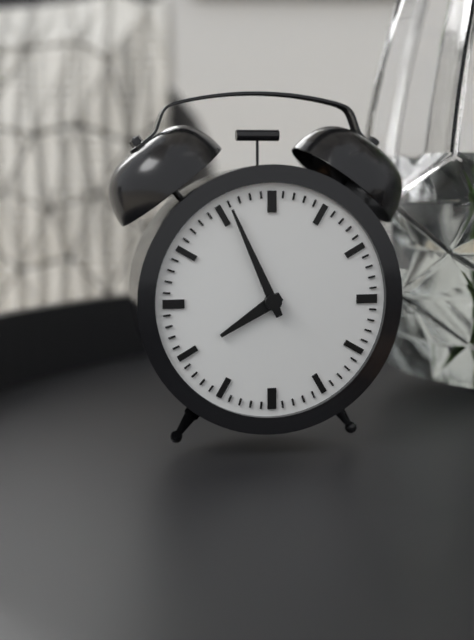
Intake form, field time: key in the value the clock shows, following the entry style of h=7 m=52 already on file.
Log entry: h=7 m=56
